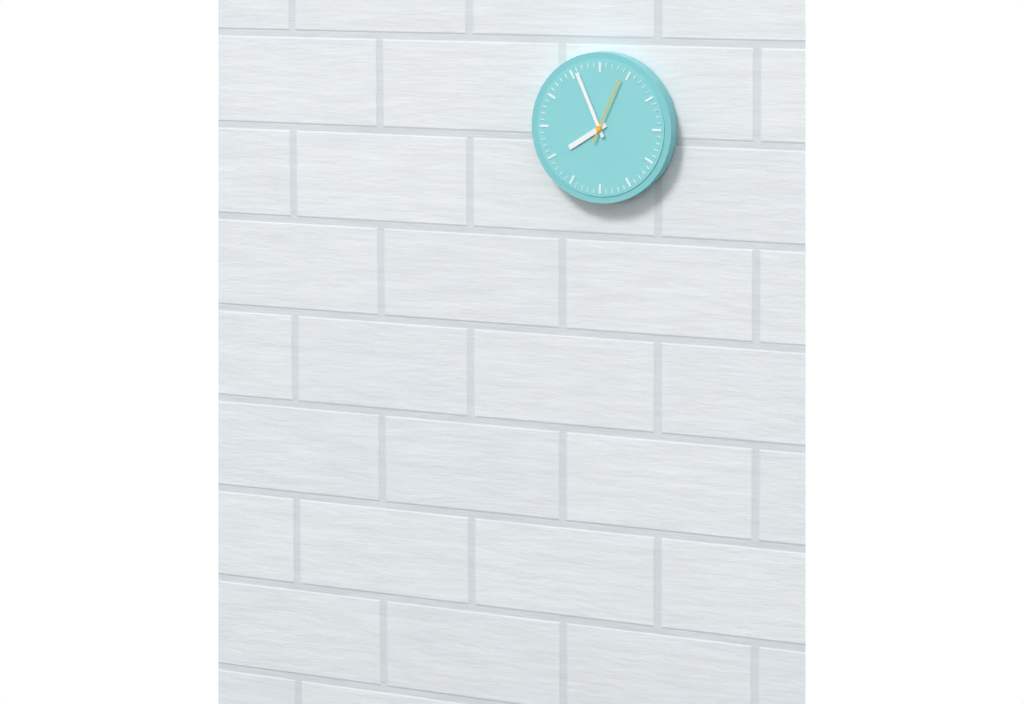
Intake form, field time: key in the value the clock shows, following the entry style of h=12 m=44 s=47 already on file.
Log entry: h=7 m=56 s=4
